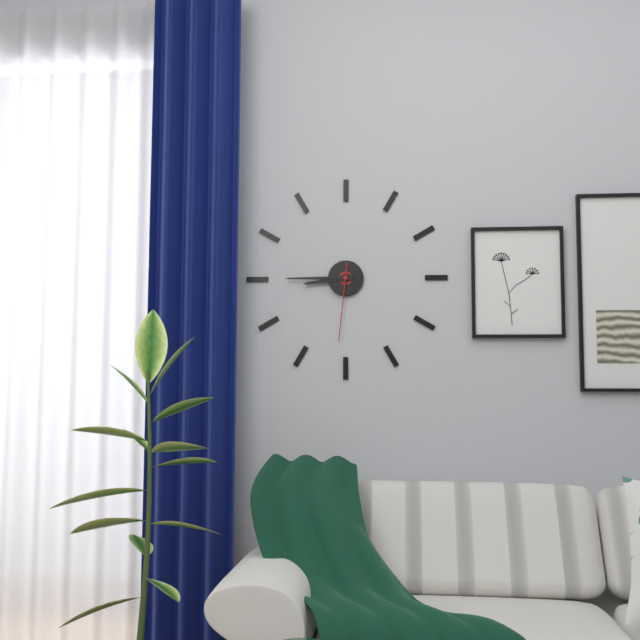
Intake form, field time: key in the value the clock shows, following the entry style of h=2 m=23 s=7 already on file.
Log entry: h=8 m=45 s=31
